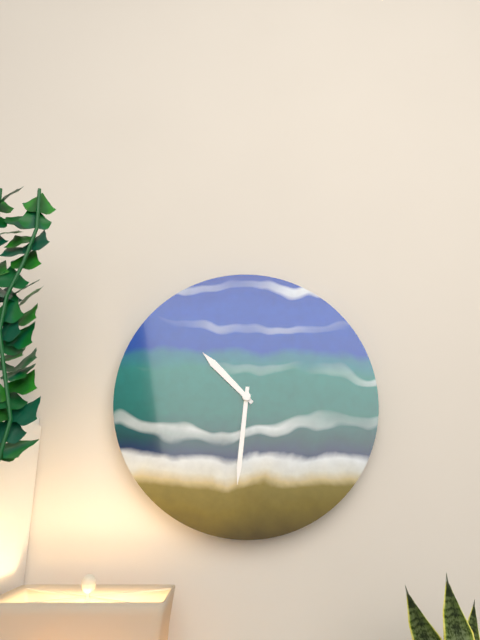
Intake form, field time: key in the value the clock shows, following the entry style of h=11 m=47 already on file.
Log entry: h=10 m=31
